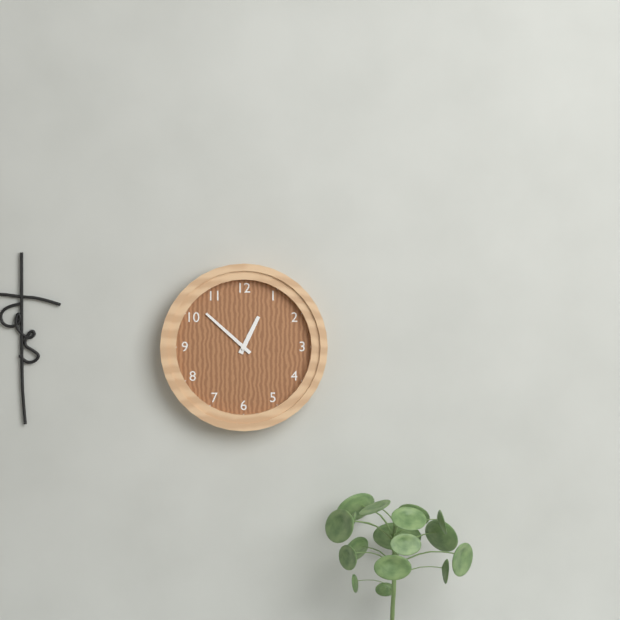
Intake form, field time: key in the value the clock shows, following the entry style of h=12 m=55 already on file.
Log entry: h=12 m=52
